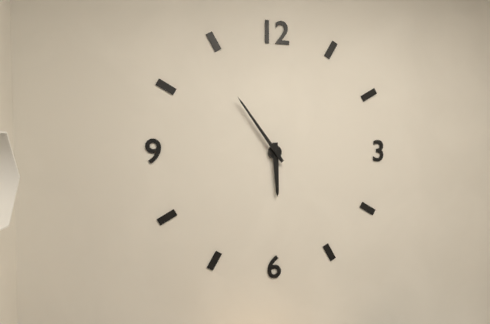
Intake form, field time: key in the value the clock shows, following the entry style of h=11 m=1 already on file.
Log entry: h=5 m=54
